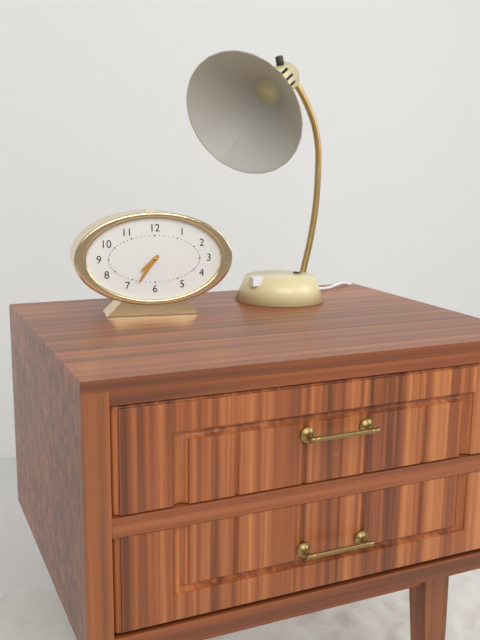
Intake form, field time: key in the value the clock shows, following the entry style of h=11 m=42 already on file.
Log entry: h=7 m=36
